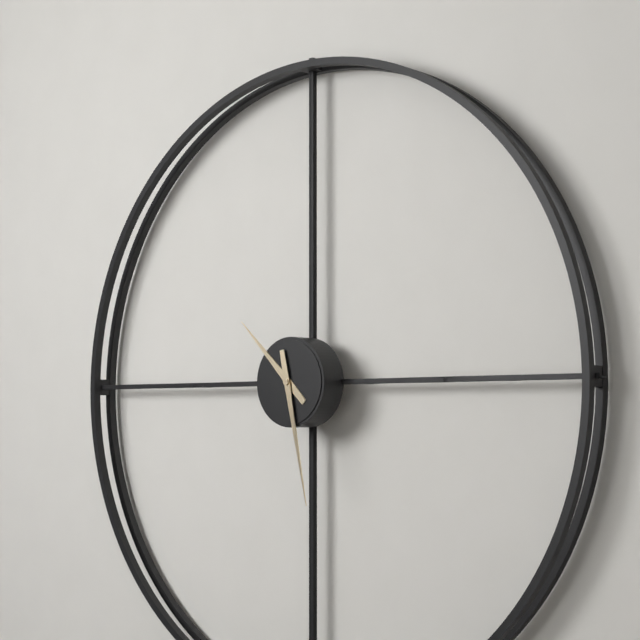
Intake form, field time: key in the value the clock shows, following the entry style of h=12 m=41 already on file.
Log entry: h=10 m=28
